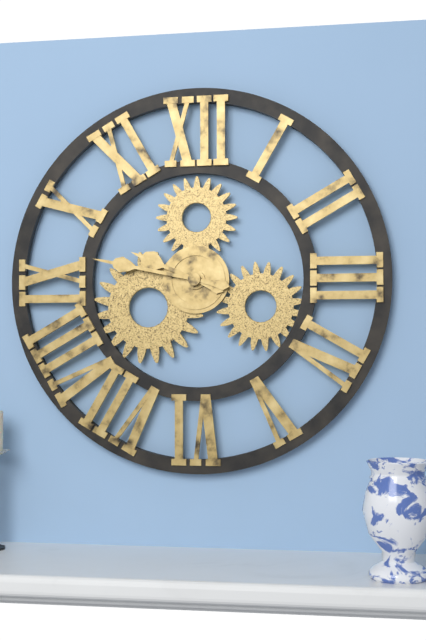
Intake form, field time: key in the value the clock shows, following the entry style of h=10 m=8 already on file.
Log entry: h=9 m=47
